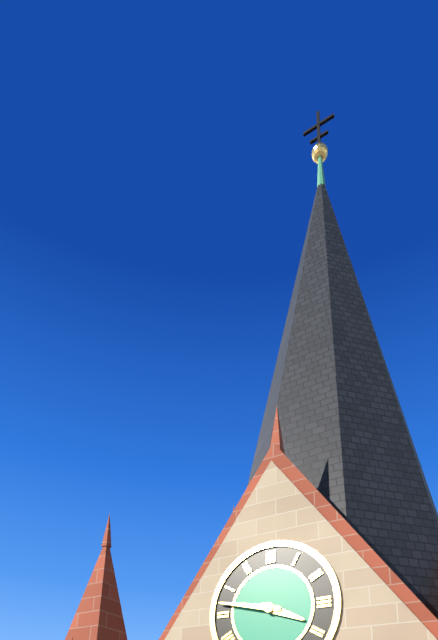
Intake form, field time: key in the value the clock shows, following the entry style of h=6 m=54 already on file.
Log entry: h=3 m=47
